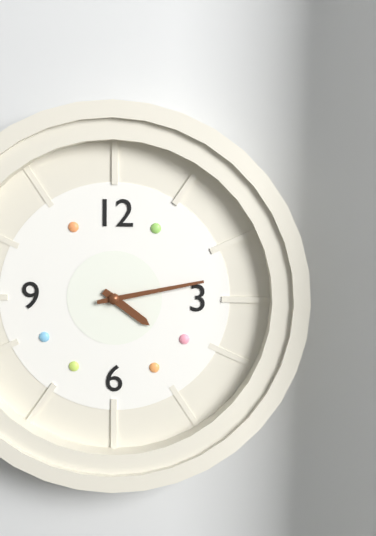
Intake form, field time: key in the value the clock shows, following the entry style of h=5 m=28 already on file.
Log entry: h=4 m=13
